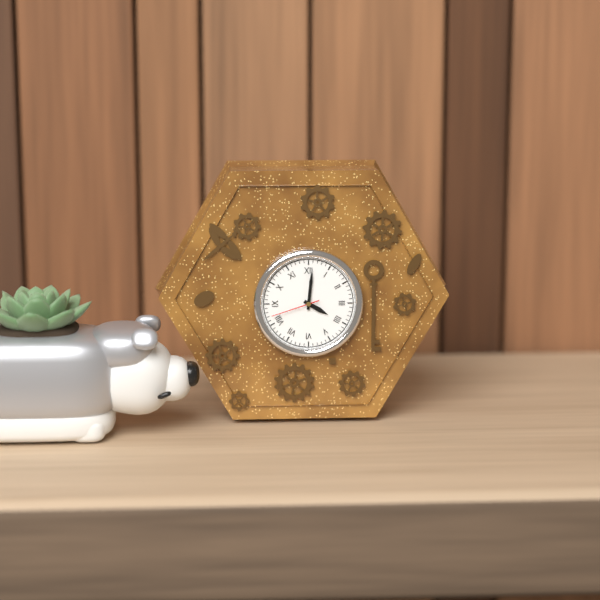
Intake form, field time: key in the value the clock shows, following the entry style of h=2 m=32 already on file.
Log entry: h=4 m=1
